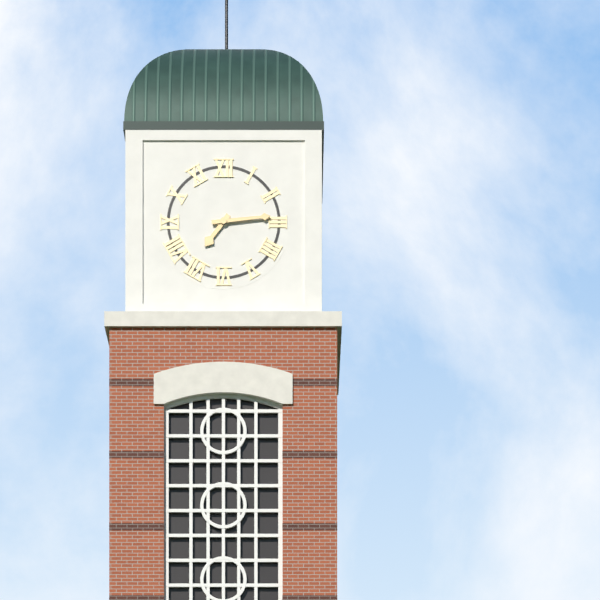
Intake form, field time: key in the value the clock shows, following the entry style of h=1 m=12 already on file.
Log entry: h=7 m=14
